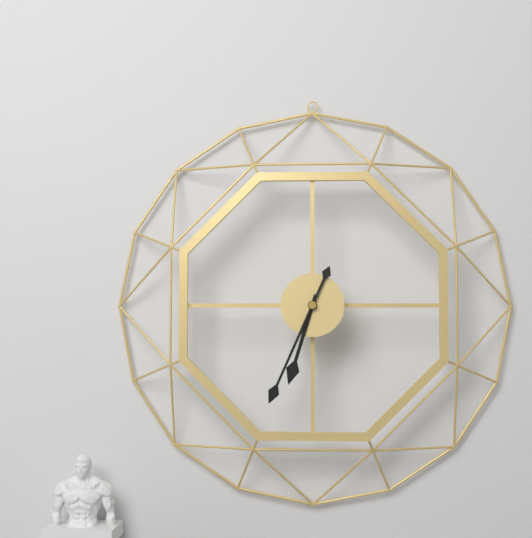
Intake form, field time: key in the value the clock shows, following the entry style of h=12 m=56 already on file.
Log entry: h=6 m=34
